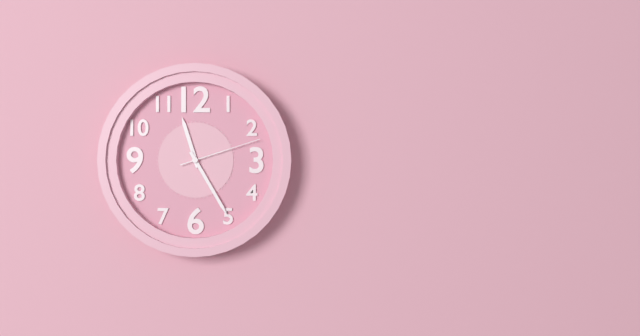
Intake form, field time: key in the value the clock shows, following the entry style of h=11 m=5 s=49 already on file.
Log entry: h=11 m=25 s=12
